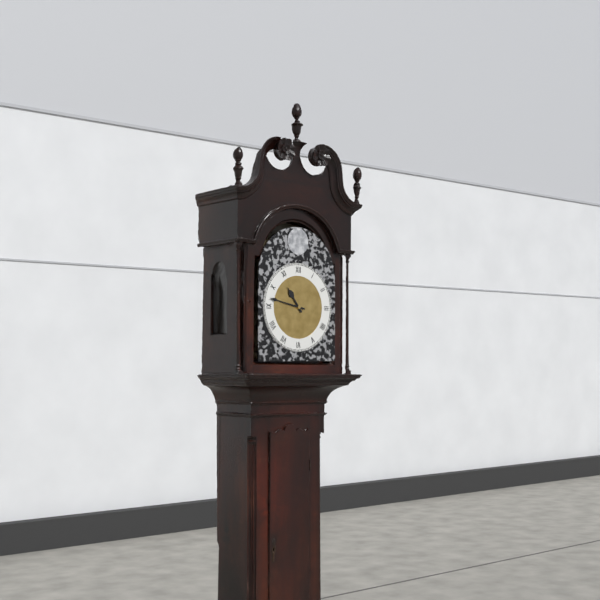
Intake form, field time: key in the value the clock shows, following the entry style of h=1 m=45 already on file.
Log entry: h=10 m=47
